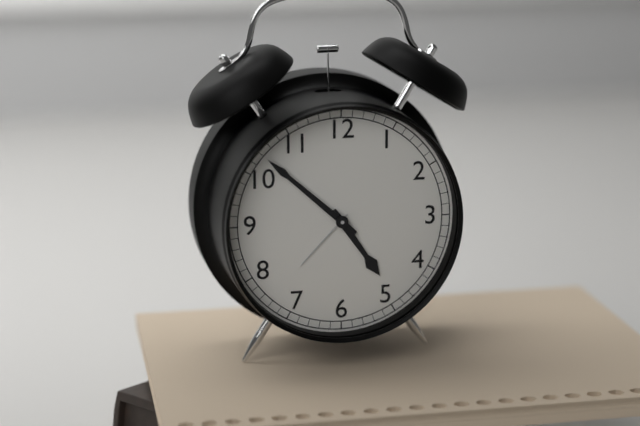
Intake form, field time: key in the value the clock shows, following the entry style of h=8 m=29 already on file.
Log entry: h=4 m=52
